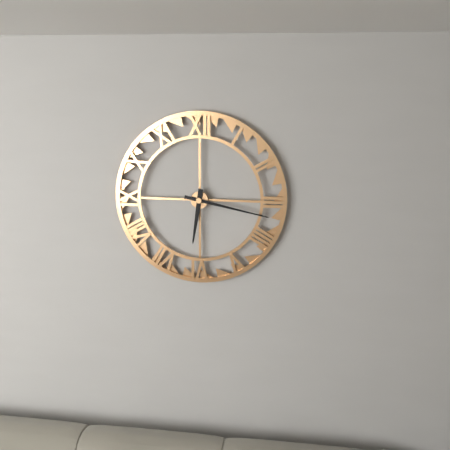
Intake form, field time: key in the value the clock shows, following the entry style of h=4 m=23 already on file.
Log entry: h=6 m=17
